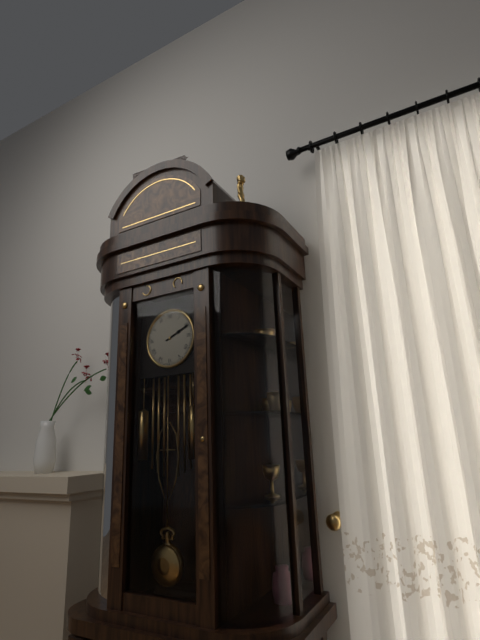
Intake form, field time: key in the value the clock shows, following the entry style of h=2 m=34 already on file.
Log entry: h=2 m=11
